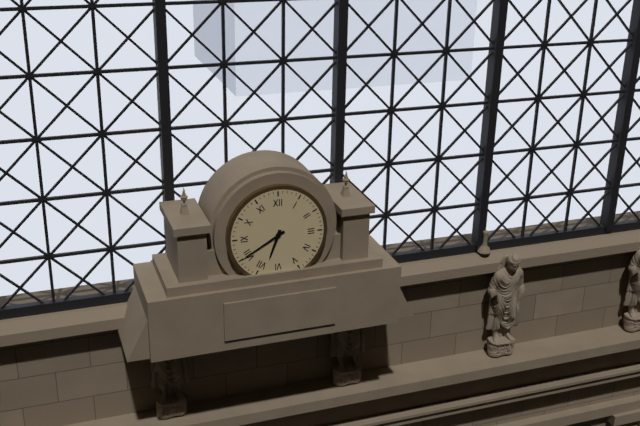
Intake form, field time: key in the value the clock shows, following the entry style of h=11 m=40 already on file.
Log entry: h=6 m=40
